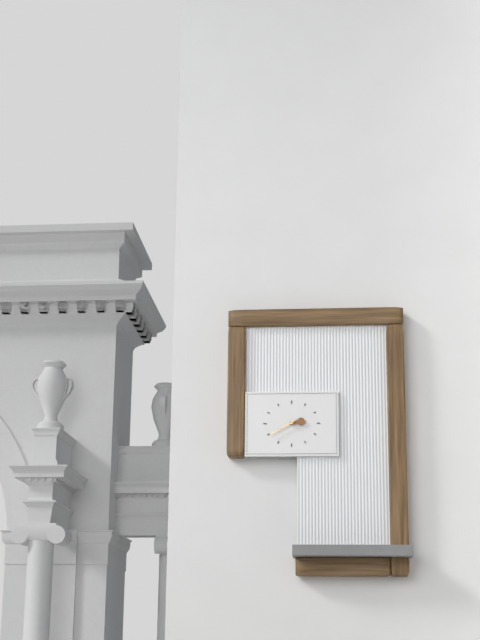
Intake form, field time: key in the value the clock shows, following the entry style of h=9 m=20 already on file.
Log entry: h=2 m=40
